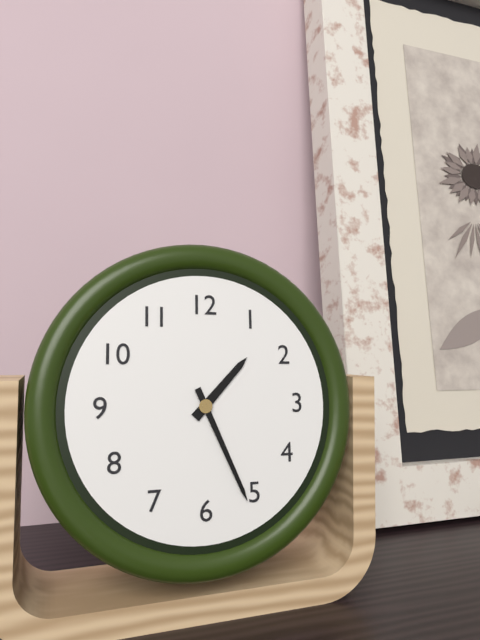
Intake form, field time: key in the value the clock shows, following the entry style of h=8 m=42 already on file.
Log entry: h=1 m=26
